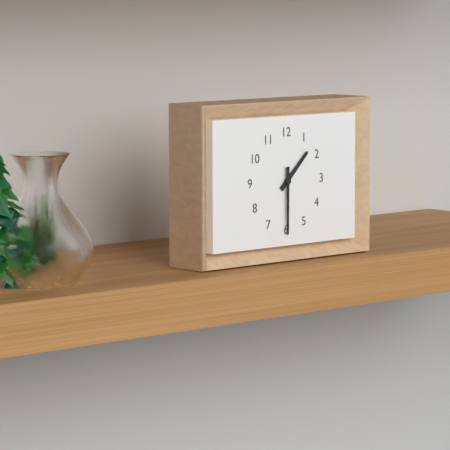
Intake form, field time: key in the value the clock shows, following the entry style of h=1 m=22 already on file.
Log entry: h=1 m=30
